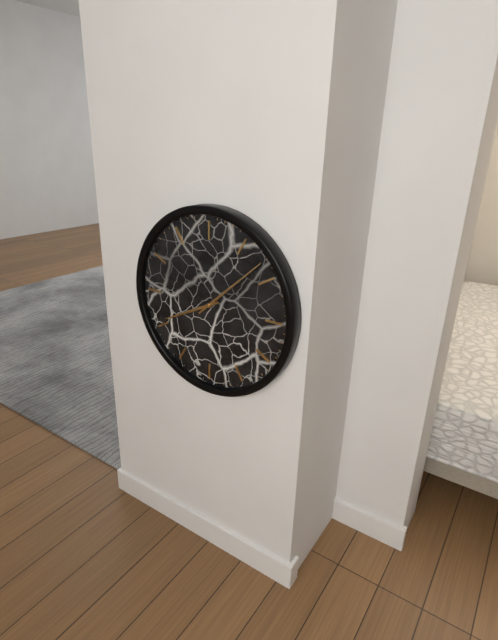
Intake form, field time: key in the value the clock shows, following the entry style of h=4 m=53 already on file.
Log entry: h=8 m=8
